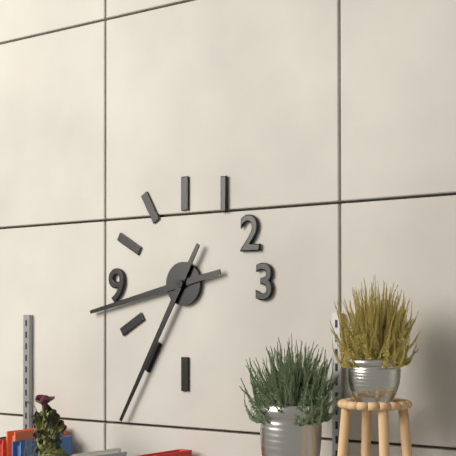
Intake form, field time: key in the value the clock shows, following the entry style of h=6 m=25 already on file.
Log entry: h=8 m=35
